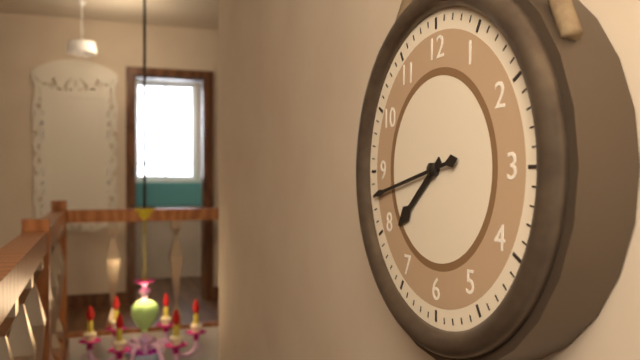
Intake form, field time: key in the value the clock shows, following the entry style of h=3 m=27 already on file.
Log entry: h=7 m=43
